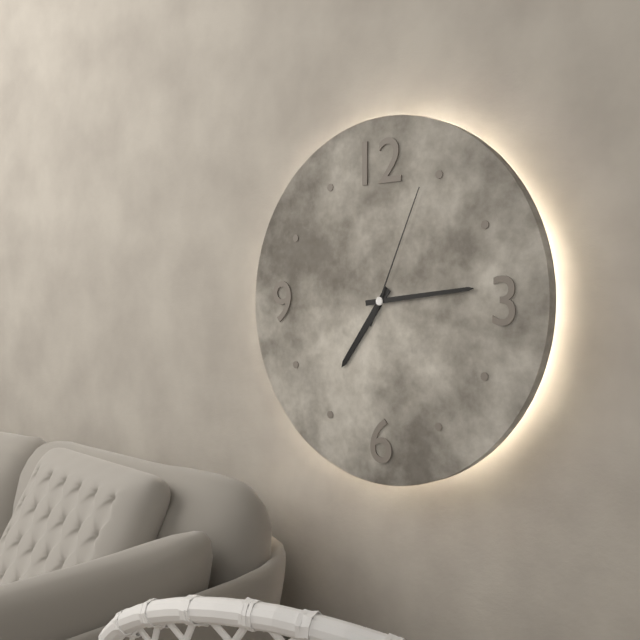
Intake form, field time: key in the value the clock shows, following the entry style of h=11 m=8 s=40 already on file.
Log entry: h=7 m=14 s=4
